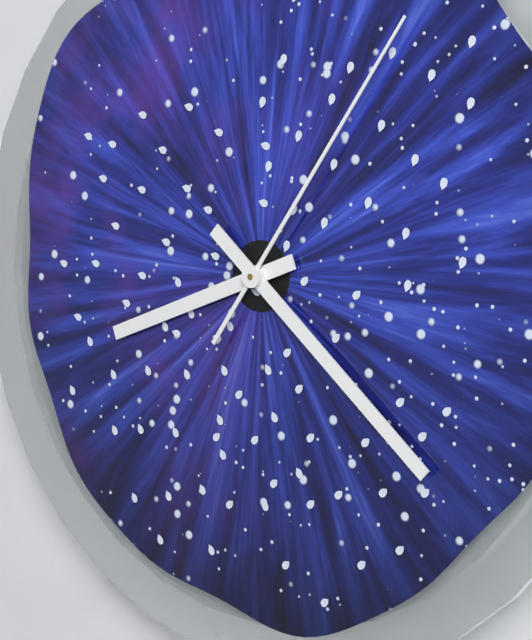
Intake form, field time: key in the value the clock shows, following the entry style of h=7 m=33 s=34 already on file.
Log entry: h=8 m=22 s=6
